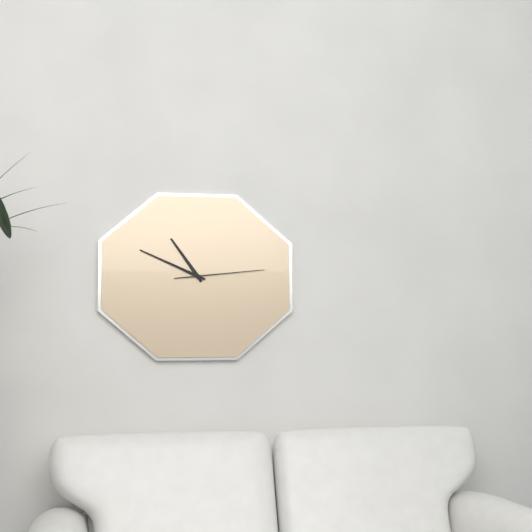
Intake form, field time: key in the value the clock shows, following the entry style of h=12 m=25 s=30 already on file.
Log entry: h=10 m=49 s=14
